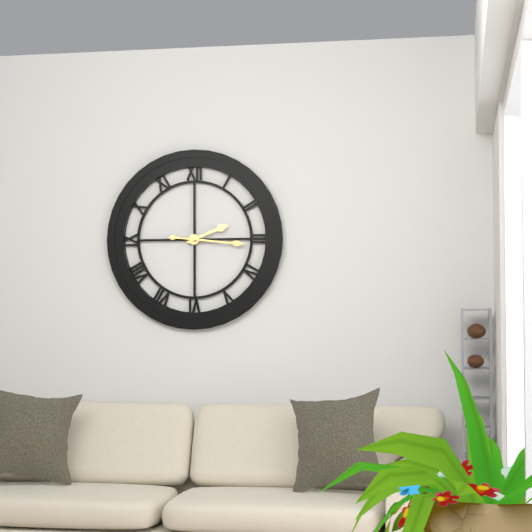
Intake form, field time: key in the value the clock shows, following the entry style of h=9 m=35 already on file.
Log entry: h=2 m=16
